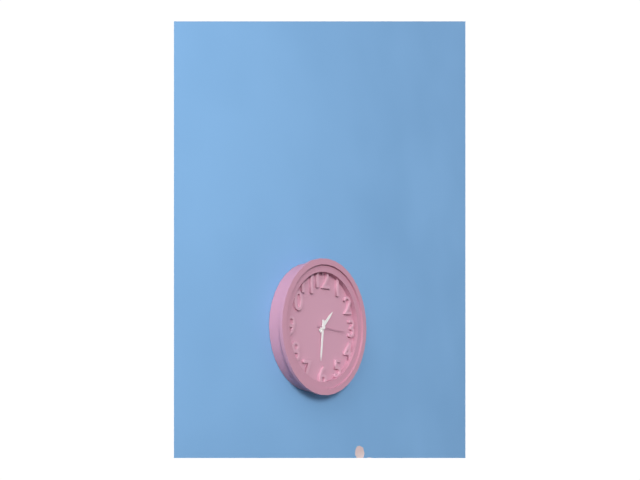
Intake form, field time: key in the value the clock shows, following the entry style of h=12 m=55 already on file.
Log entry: h=1 m=31
